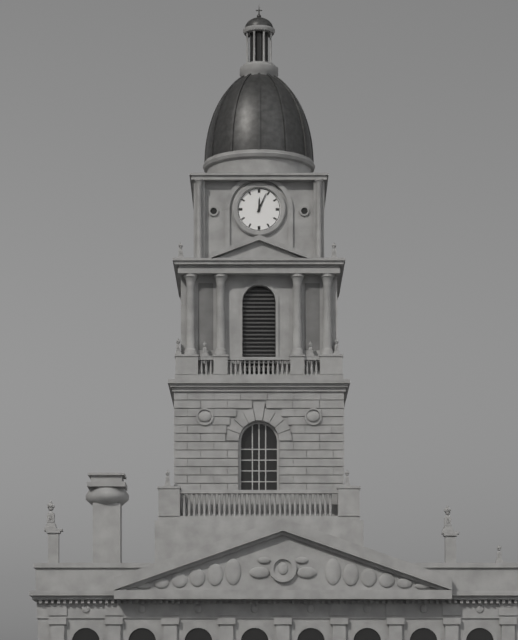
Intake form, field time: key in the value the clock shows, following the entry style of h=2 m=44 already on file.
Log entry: h=12 m=4
